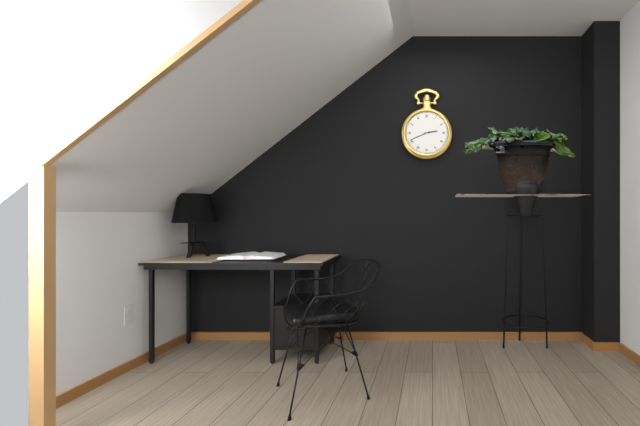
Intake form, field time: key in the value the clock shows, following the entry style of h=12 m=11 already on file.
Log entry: h=2 m=41
